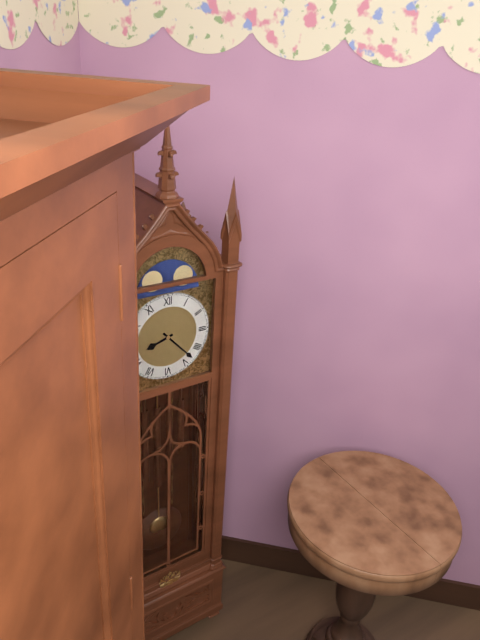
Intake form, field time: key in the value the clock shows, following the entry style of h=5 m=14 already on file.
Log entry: h=8 m=23
